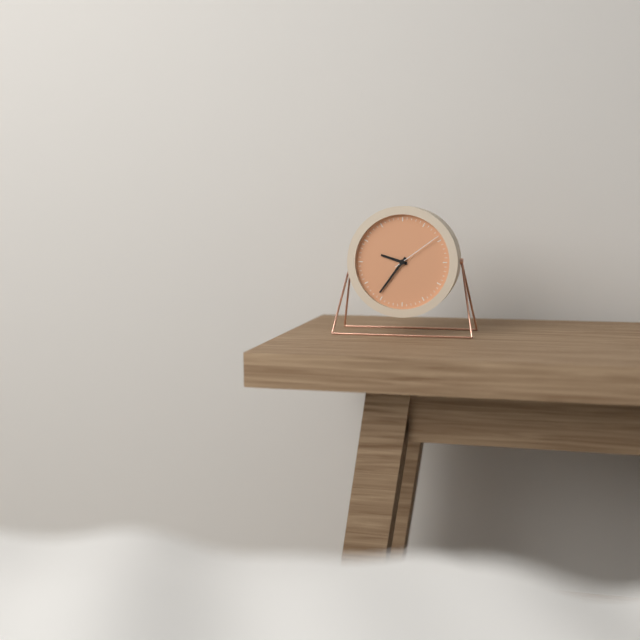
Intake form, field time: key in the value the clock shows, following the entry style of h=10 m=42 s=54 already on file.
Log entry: h=9 m=36 s=9
